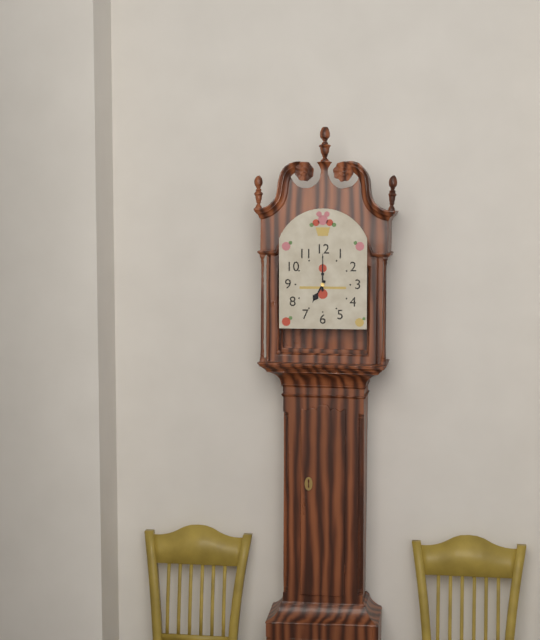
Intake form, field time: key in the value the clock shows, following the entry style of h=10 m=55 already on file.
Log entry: h=7 m=0
